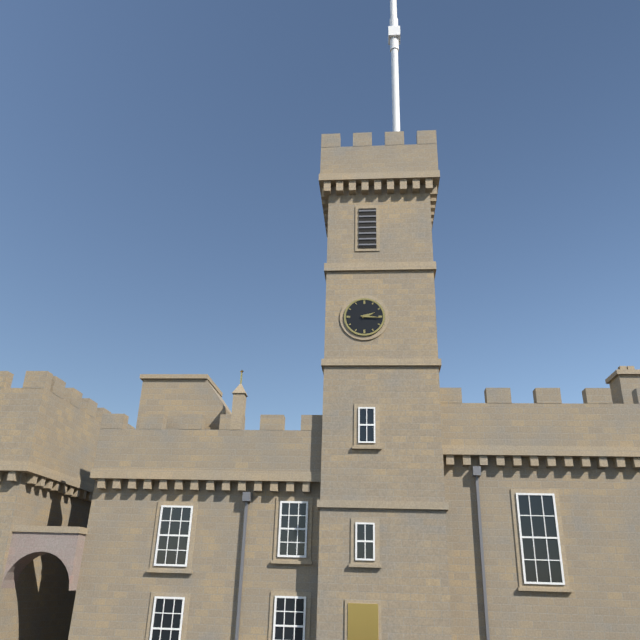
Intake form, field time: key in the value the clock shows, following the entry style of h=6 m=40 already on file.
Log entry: h=2 m=16
